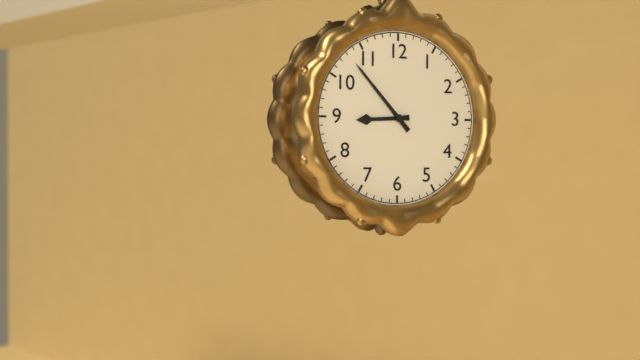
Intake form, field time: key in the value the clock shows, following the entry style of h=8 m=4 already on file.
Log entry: h=8 m=53
